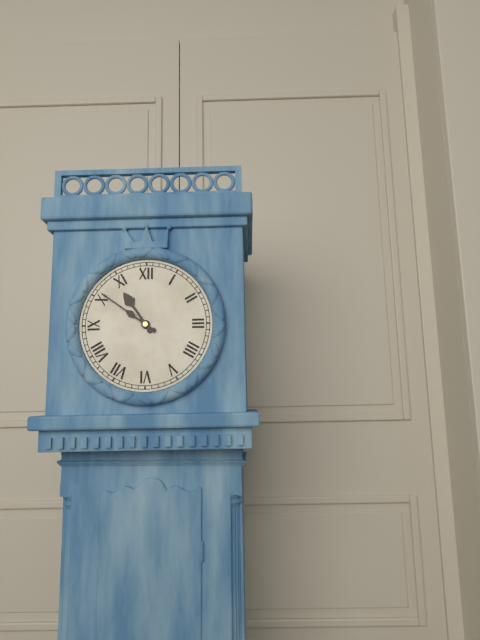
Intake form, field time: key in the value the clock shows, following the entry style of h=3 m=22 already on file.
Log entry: h=10 m=51
